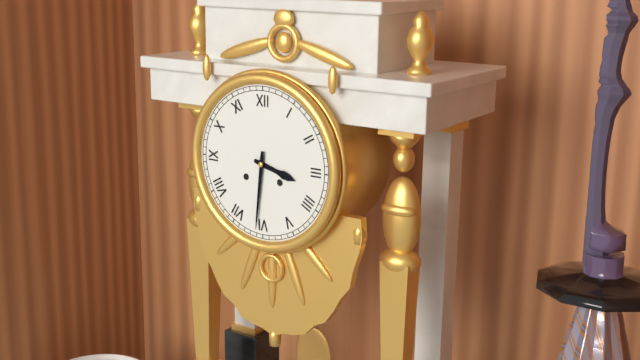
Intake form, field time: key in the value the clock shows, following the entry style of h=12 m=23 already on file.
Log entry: h=3 m=31
